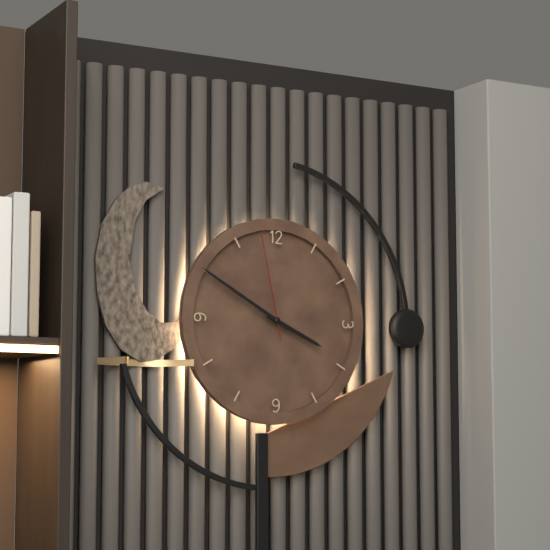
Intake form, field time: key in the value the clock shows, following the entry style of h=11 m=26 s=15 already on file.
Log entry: h=3 m=50 s=58
